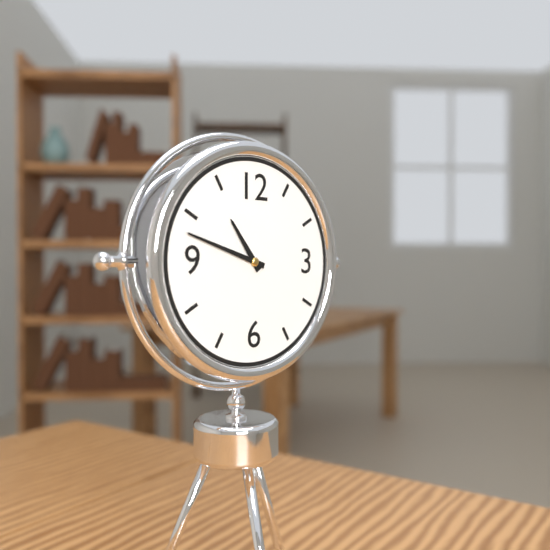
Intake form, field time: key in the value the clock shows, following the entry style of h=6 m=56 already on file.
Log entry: h=10 m=48
